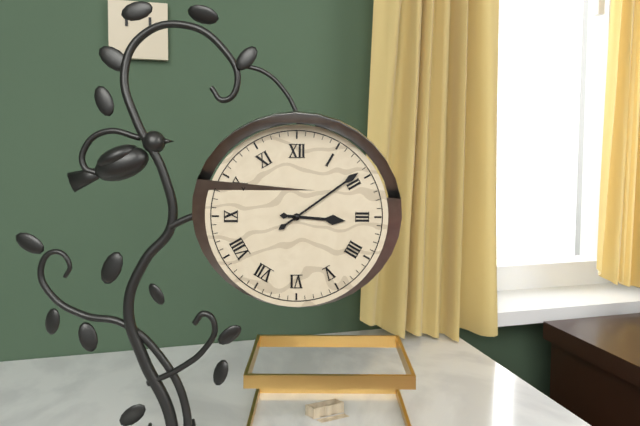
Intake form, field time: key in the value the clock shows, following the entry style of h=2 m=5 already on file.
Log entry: h=3 m=9
